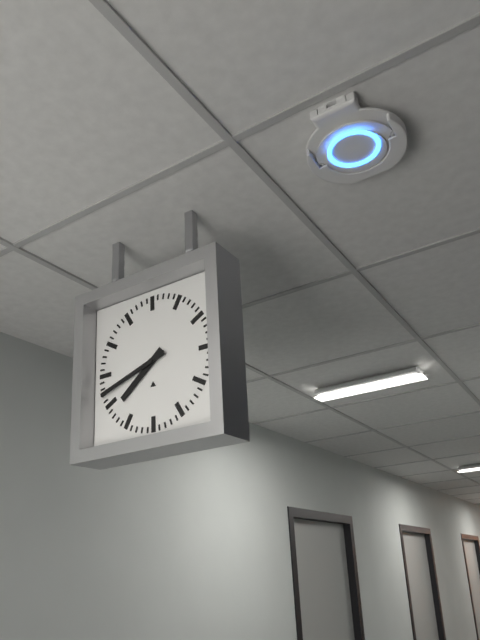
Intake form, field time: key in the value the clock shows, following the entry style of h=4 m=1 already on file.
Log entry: h=7 m=42
